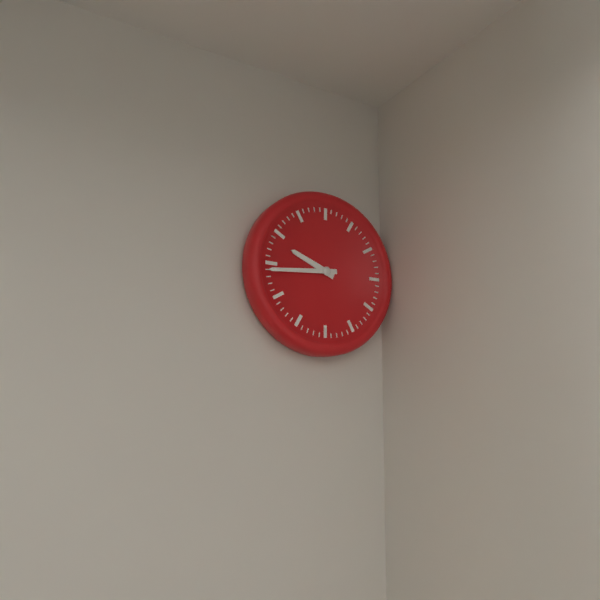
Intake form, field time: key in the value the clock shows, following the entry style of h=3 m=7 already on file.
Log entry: h=9 m=44
